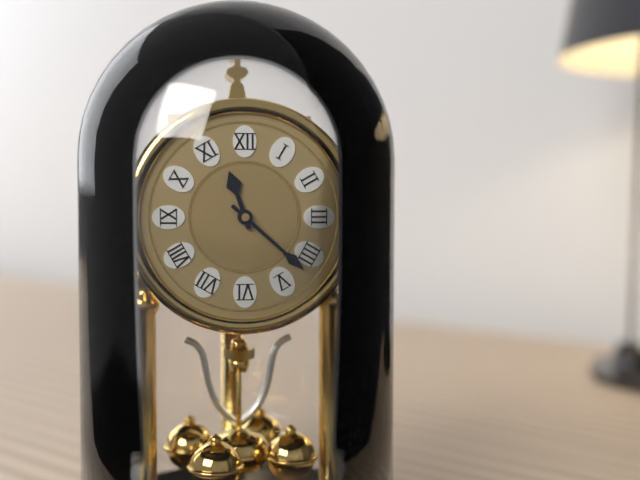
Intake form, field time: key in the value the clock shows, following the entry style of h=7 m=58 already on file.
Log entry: h=11 m=22
